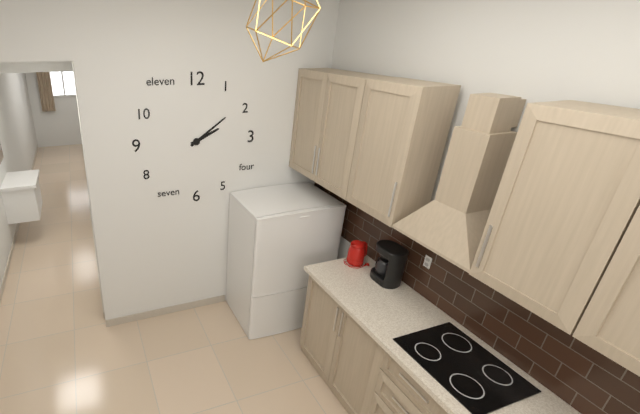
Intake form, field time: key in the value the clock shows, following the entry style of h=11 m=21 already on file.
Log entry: h=2 m=9
